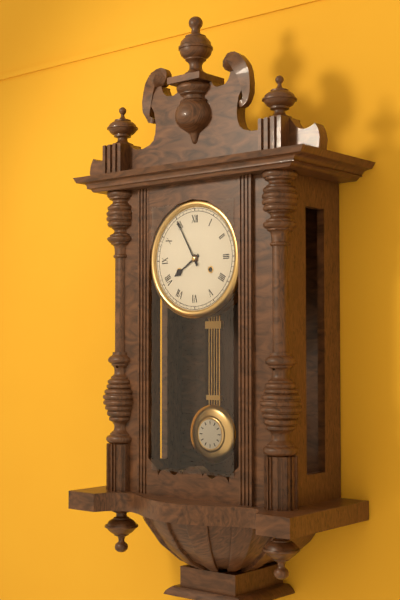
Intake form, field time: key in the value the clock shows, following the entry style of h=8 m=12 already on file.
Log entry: h=7 m=55
